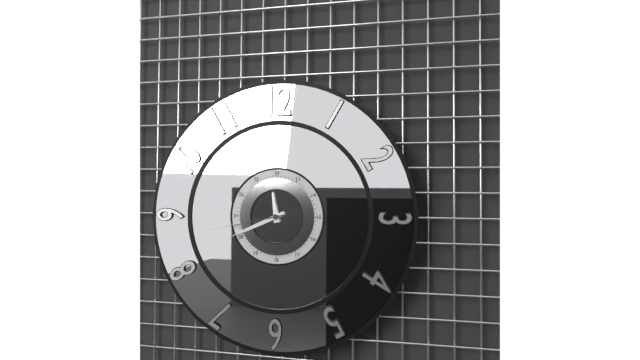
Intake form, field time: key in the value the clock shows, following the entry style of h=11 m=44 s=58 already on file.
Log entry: h=11 m=41 s=43
